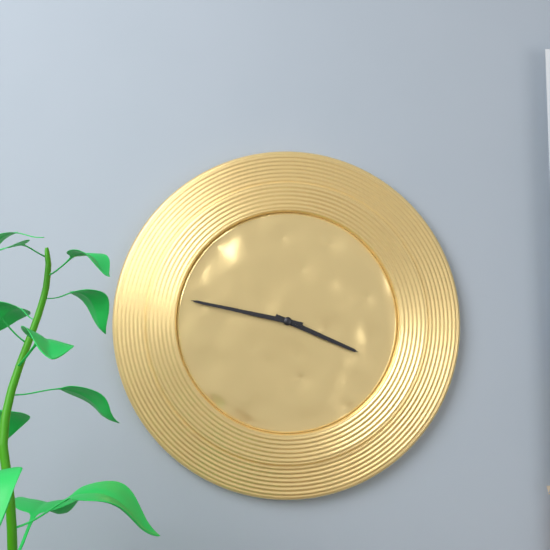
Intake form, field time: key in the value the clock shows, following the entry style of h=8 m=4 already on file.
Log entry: h=3 m=47
